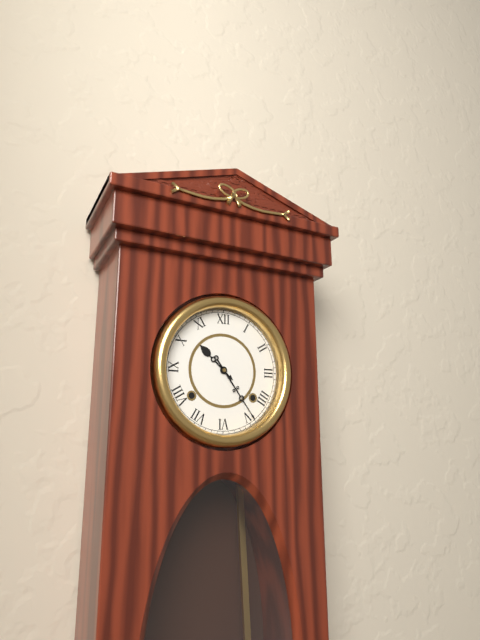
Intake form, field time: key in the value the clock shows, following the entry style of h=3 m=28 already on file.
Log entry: h=10 m=24
